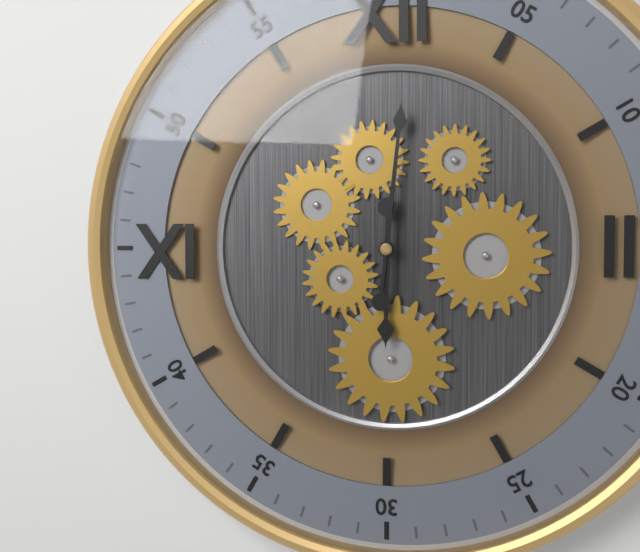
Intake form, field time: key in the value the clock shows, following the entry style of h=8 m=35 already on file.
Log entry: h=6 m=1
